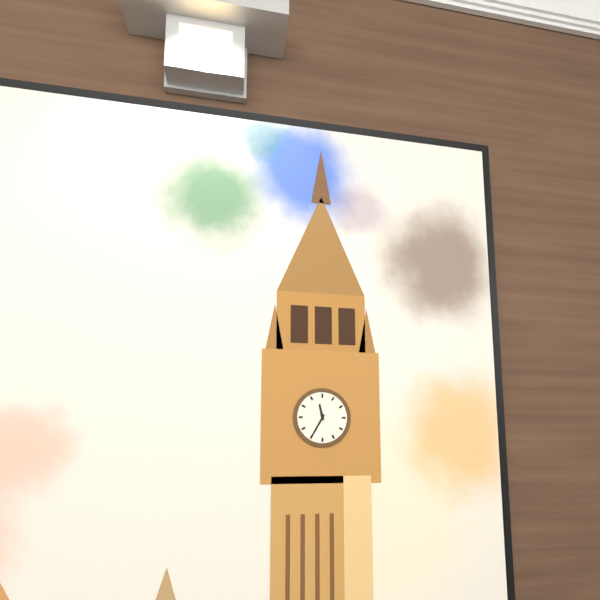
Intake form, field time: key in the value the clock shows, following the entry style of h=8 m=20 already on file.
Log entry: h=11 m=35
